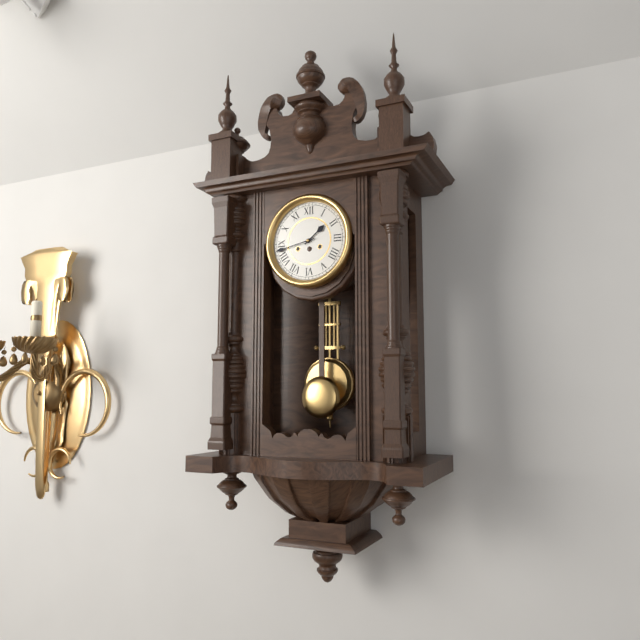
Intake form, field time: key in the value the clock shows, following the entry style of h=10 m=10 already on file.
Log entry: h=1 m=43
